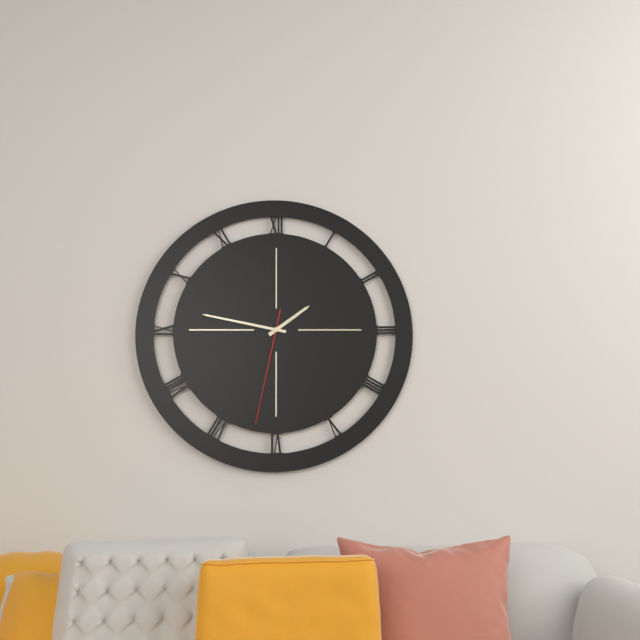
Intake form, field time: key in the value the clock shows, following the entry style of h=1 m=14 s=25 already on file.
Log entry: h=1 m=47 s=32
